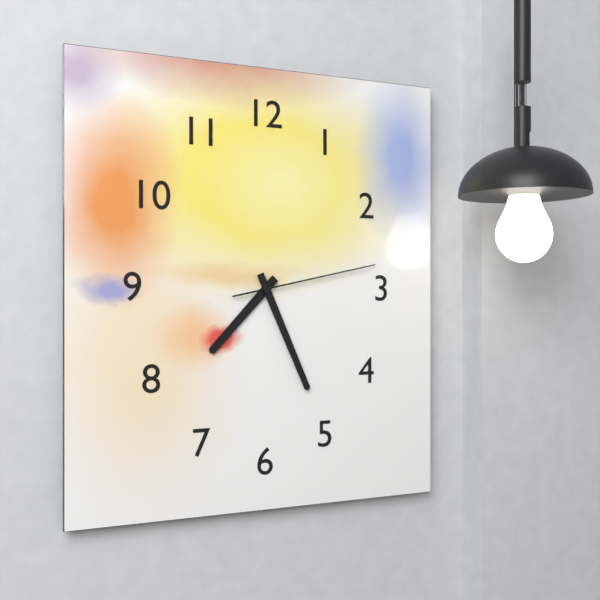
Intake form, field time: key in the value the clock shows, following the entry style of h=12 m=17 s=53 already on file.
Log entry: h=7 m=26 s=13
